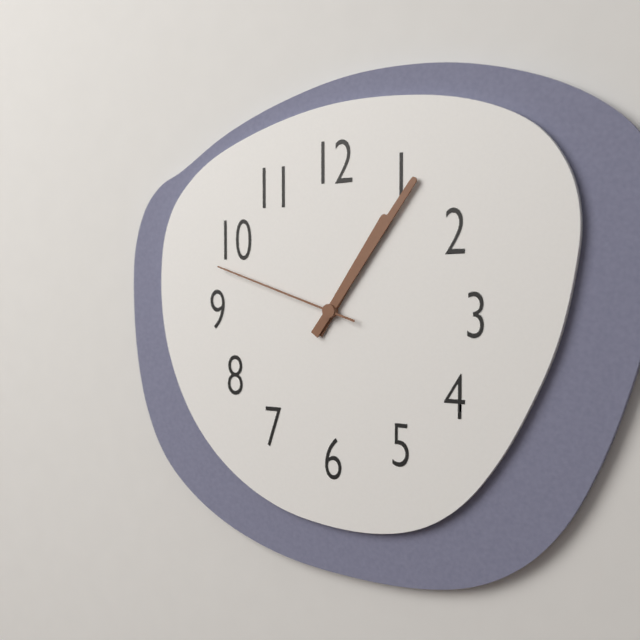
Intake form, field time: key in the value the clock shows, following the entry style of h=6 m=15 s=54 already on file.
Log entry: h=1 m=6 s=48
